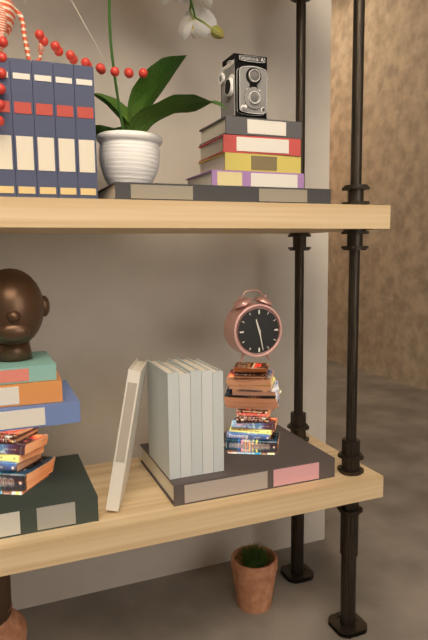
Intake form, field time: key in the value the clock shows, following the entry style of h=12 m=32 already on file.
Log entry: h=11 m=28
